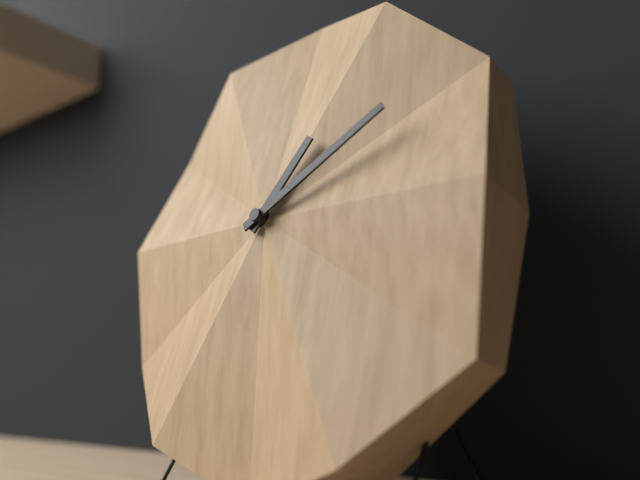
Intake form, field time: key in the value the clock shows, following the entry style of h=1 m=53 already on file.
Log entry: h=1 m=10
